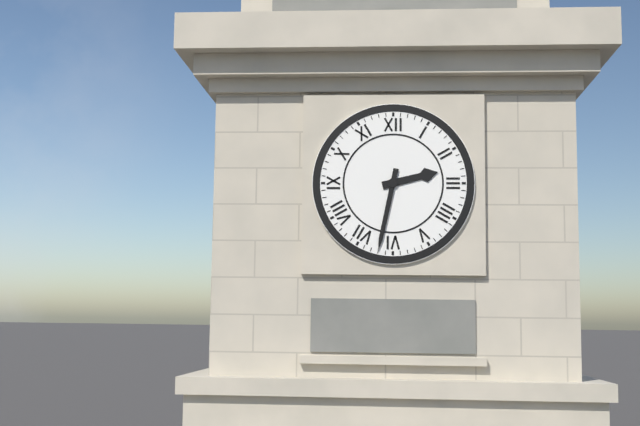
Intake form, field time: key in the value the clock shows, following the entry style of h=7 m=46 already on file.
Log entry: h=2 m=32
